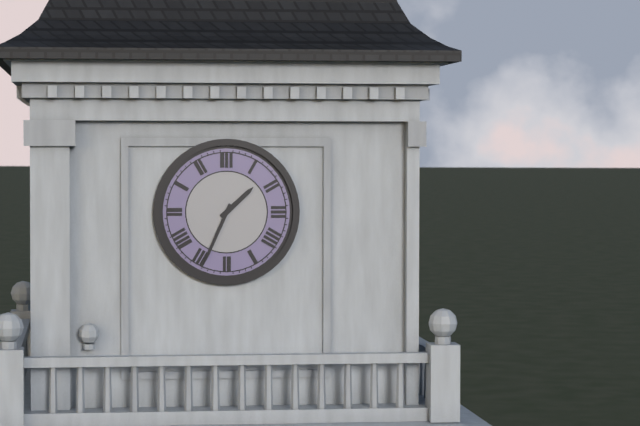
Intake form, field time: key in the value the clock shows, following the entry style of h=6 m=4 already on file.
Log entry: h=1 m=34
